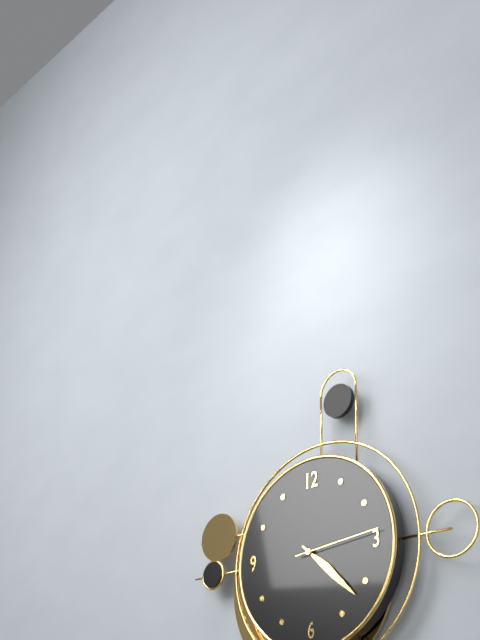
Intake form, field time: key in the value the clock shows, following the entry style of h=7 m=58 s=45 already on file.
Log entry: h=4 m=22 s=14
